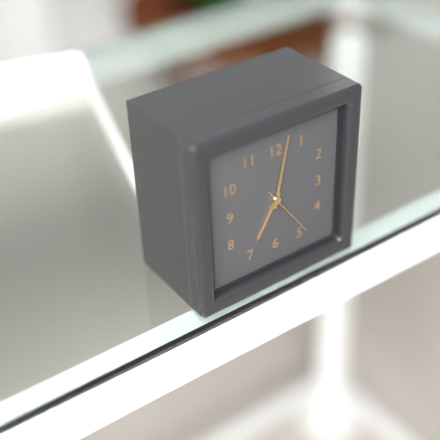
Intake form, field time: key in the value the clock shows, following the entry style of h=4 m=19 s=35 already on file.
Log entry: h=7 m=2 s=24
